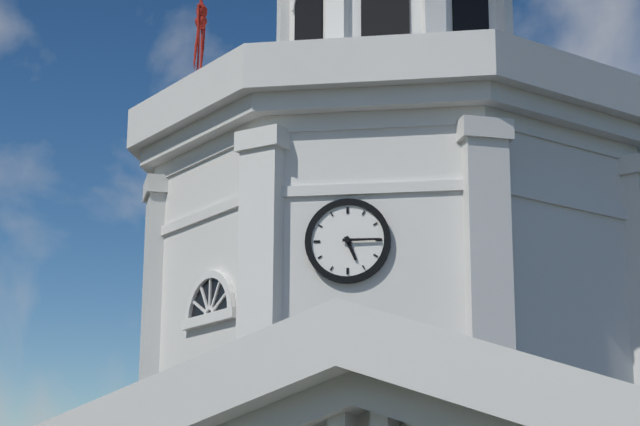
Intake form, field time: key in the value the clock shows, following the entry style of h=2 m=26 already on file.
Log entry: h=5 m=15
